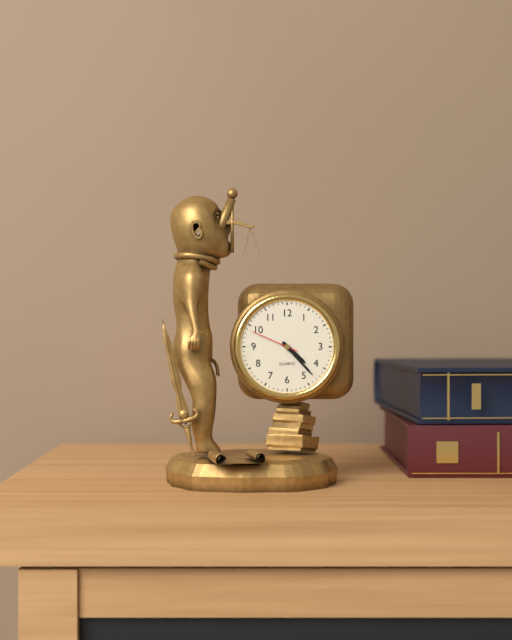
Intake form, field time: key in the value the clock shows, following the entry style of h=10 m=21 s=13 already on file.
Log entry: h=4 m=23 s=49
